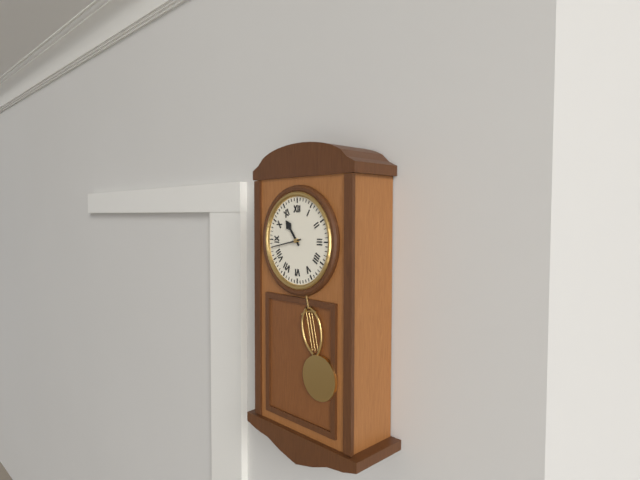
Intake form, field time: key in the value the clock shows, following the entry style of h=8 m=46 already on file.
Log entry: h=10 m=43
